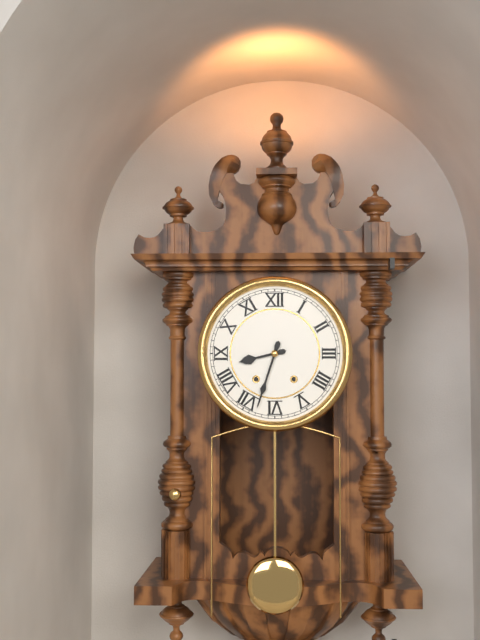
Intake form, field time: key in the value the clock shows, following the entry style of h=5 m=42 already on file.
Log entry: h=8 m=33
